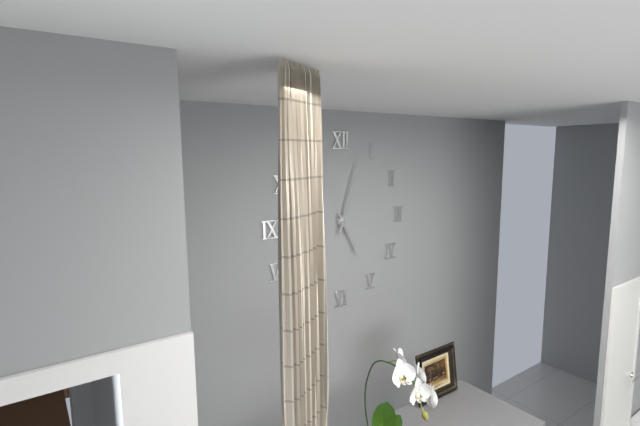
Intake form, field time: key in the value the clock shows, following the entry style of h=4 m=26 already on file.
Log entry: h=5 m=3
